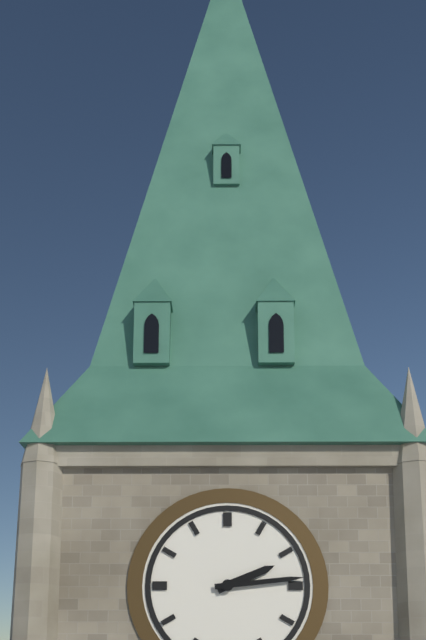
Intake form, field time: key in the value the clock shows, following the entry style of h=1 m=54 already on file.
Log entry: h=2 m=14
